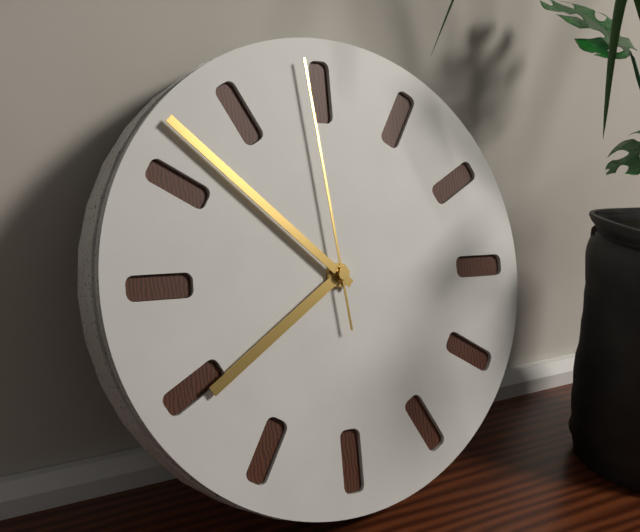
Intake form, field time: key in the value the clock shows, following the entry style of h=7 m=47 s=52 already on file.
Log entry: h=7 m=52 s=59
